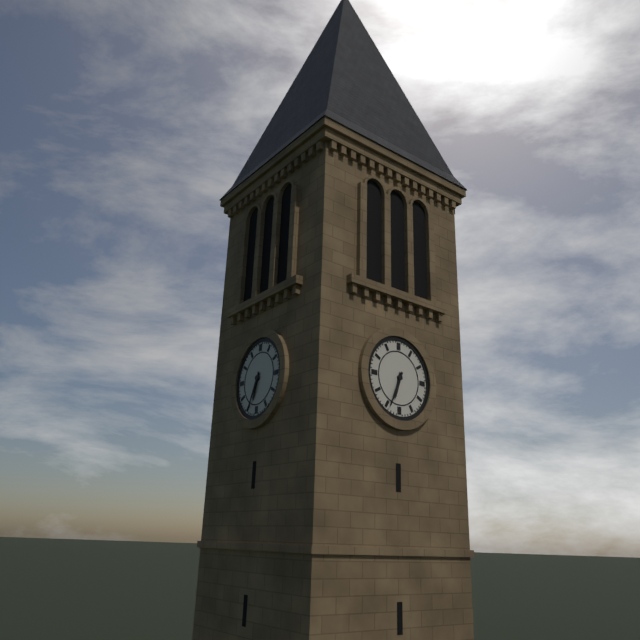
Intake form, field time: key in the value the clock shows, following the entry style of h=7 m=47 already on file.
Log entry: h=6 m=34
